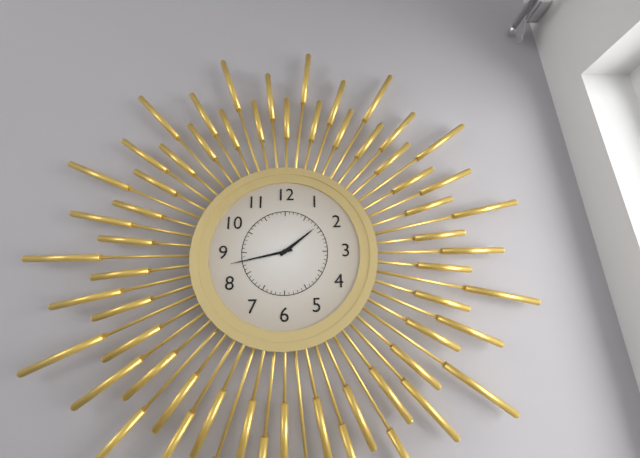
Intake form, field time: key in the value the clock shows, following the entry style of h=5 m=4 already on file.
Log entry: h=1 m=43
